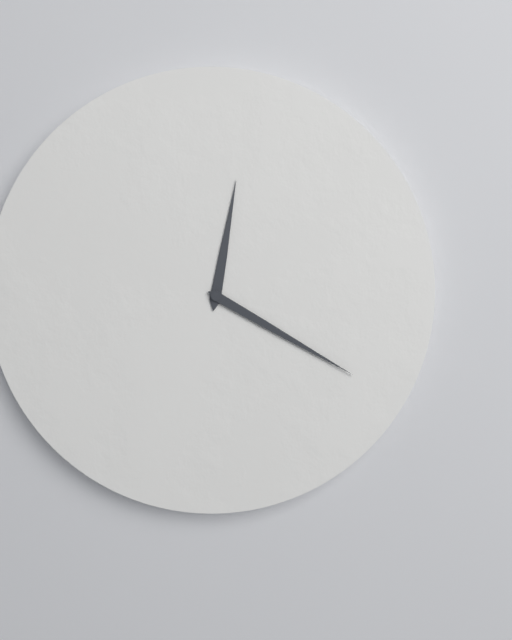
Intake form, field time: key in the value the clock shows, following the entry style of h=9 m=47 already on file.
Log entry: h=12 m=20
